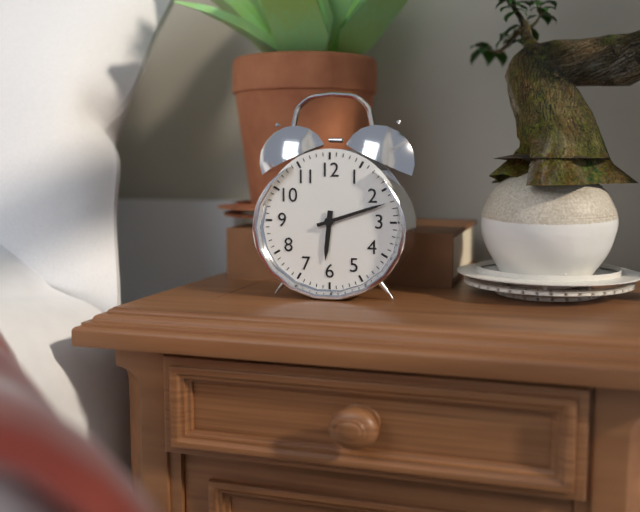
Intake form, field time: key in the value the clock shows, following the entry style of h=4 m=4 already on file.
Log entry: h=6 m=12
